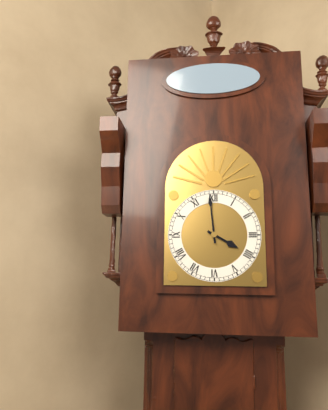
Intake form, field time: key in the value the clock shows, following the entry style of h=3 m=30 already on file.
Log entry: h=3 m=59
